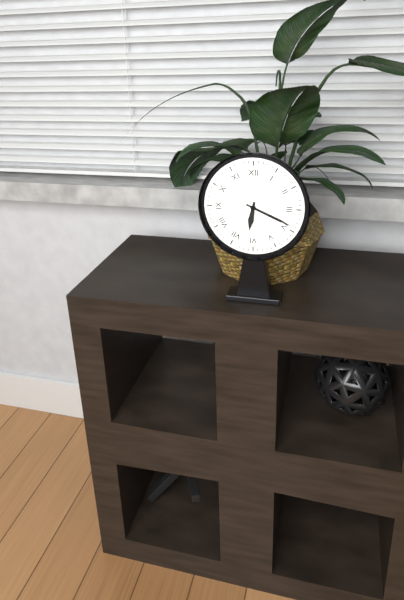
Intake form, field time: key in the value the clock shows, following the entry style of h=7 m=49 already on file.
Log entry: h=6 m=19
